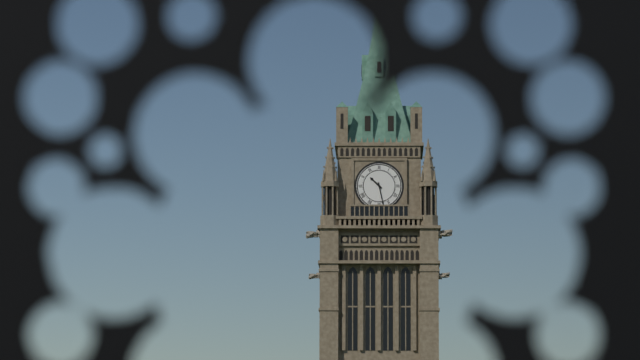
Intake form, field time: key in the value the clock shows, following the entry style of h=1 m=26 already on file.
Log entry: h=10 m=28
